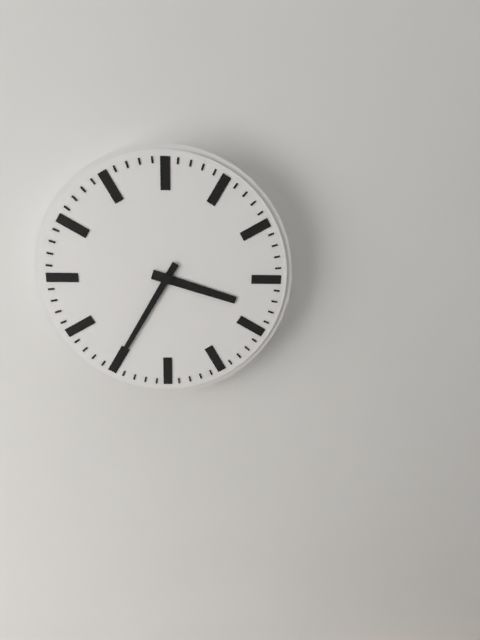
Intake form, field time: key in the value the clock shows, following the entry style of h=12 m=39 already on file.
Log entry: h=3 m=35
